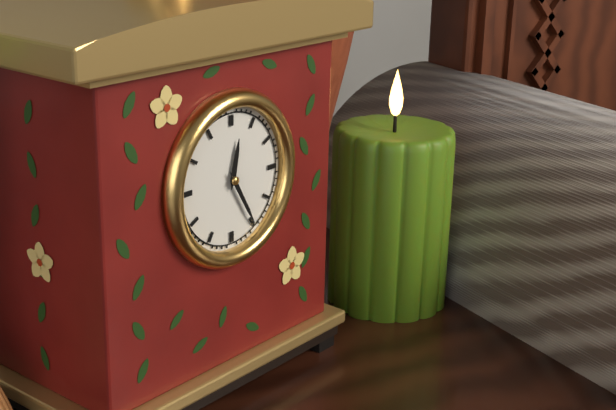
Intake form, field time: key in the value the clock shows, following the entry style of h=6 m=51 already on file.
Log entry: h=12 m=25
